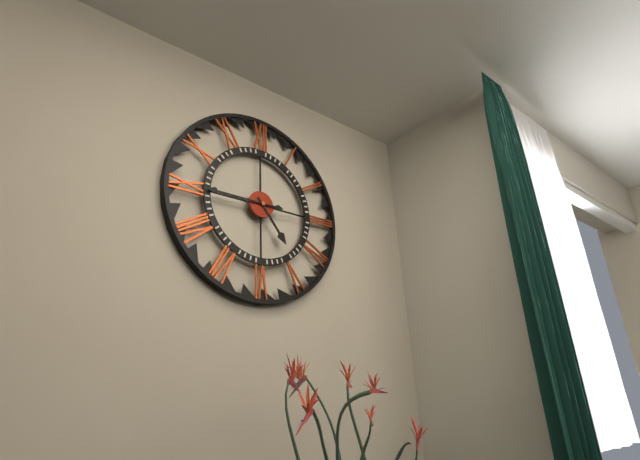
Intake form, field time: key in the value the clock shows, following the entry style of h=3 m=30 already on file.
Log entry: h=4 m=45
